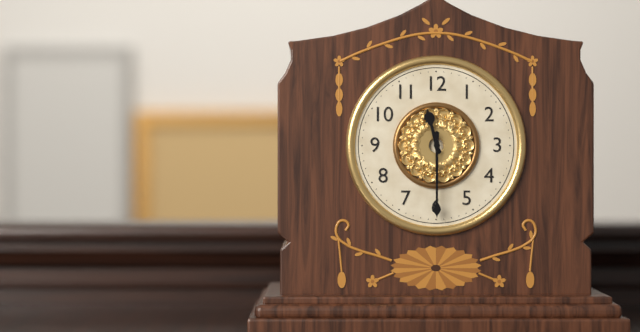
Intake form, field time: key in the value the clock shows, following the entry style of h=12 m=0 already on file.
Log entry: h=11 m=30
